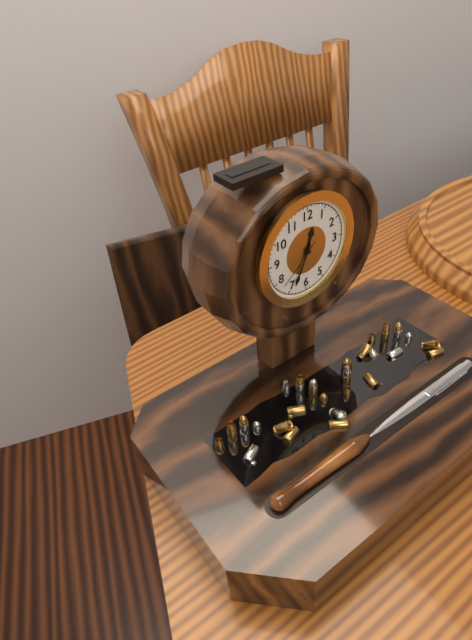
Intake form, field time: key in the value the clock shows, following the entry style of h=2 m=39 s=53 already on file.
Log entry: h=12 m=34 s=38
